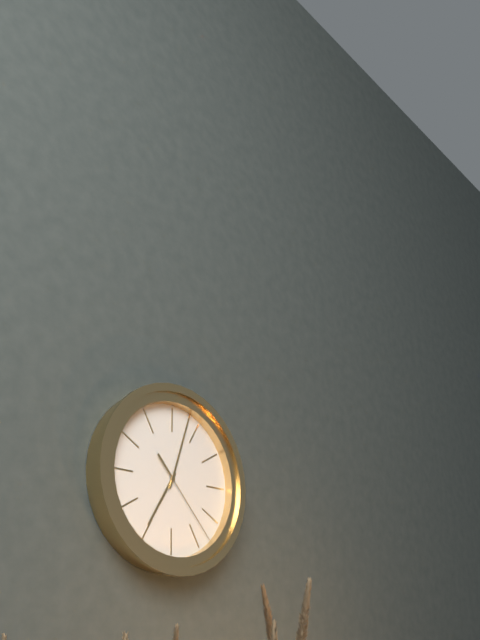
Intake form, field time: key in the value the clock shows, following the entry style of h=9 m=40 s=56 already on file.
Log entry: h=7 m=3 s=23
